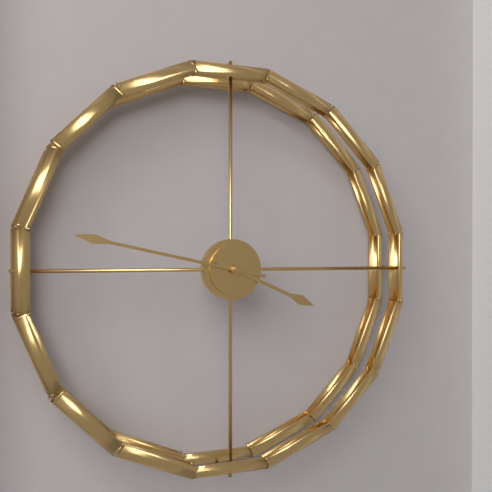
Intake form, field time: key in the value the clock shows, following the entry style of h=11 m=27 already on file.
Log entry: h=3 m=47
